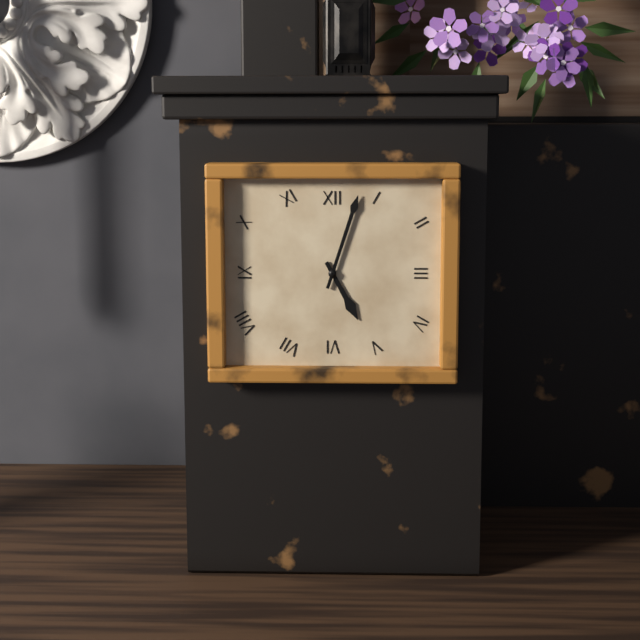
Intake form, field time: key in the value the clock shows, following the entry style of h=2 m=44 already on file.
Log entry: h=5 m=3
